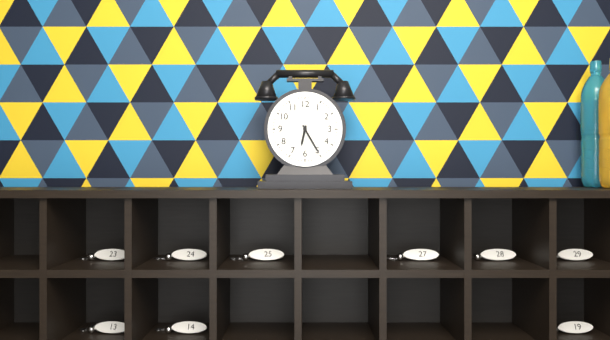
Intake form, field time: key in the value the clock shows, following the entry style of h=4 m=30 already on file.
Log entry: h=6 m=25
